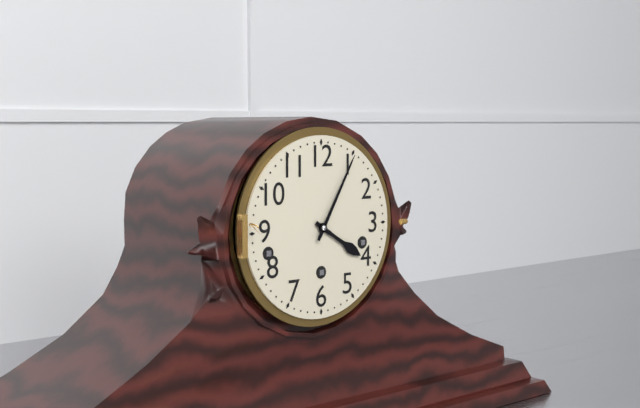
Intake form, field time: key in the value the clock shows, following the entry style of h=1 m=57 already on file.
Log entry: h=4 m=5
